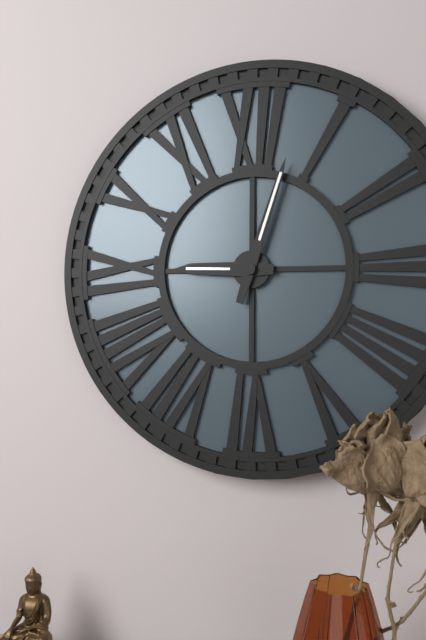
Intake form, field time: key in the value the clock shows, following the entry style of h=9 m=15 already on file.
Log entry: h=9 m=3
